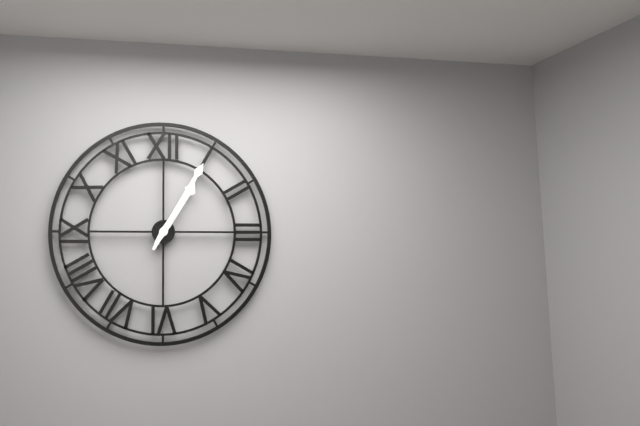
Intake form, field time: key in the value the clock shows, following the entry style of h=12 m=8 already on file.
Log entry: h=1 m=5
